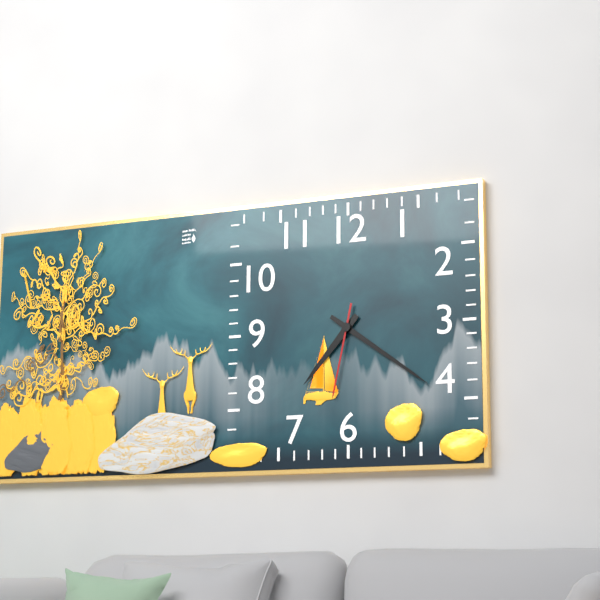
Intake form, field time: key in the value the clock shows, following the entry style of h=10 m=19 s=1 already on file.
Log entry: h=7 m=21 s=32
